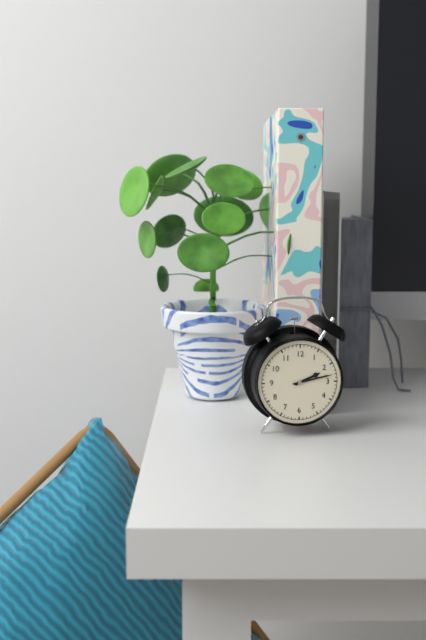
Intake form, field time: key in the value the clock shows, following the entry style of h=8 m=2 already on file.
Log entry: h=2 m=13
